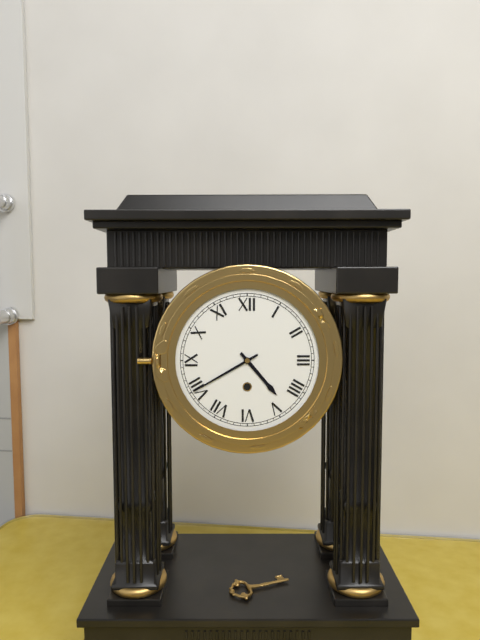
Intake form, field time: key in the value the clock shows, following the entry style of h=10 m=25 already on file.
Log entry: h=4 m=40
